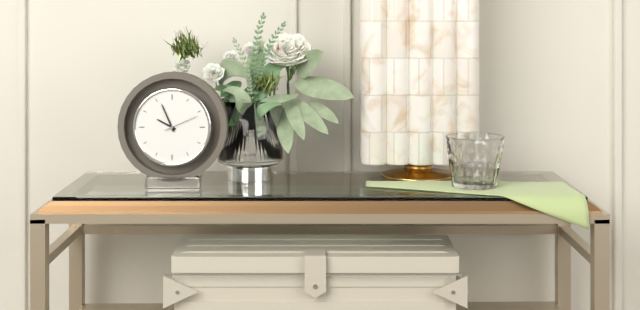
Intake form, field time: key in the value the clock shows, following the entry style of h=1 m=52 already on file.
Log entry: h=9 m=56
